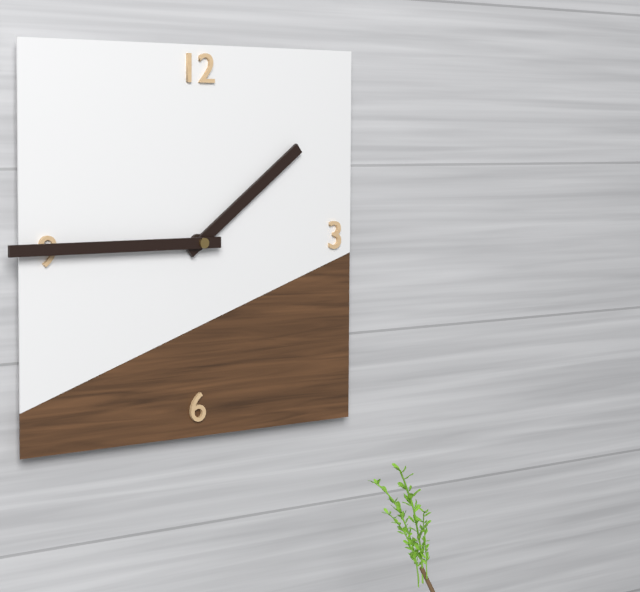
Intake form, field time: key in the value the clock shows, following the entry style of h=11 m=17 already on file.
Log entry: h=1 m=45
